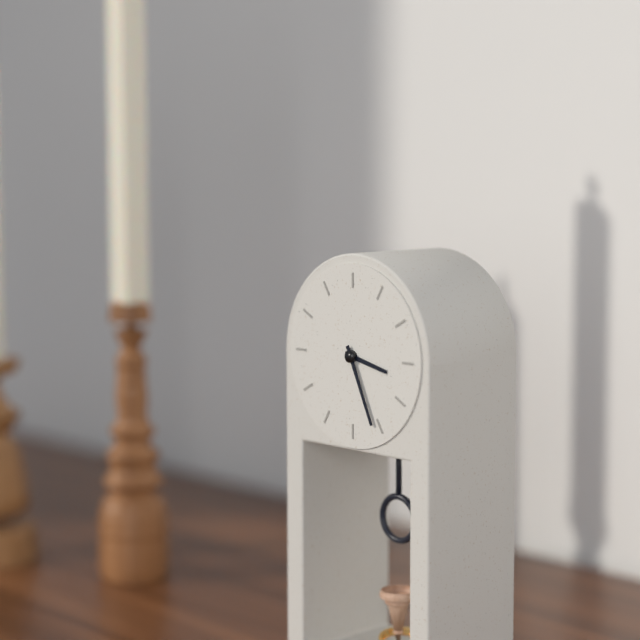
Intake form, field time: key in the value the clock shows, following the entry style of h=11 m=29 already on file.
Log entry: h=3 m=26
